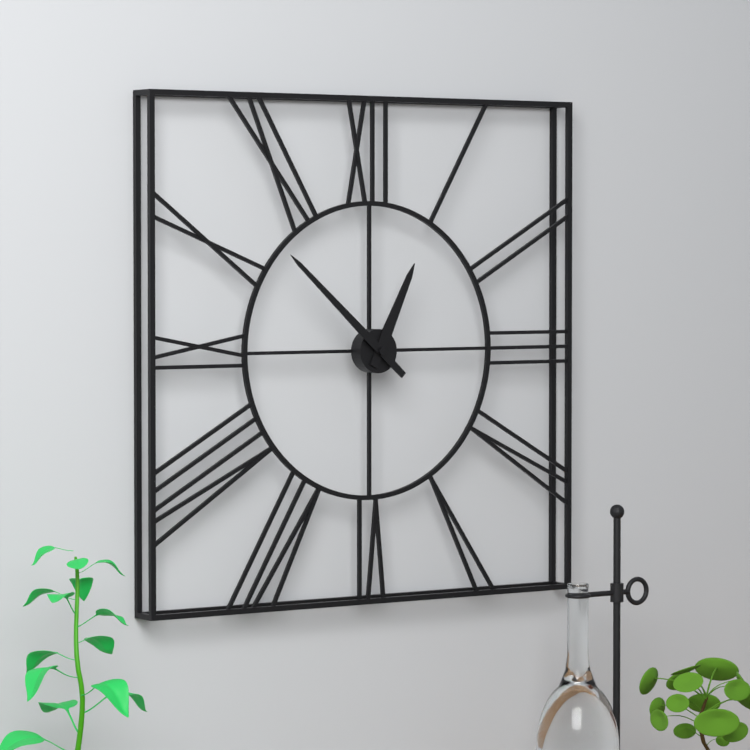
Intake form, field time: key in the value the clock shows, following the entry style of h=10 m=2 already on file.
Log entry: h=12 m=52
